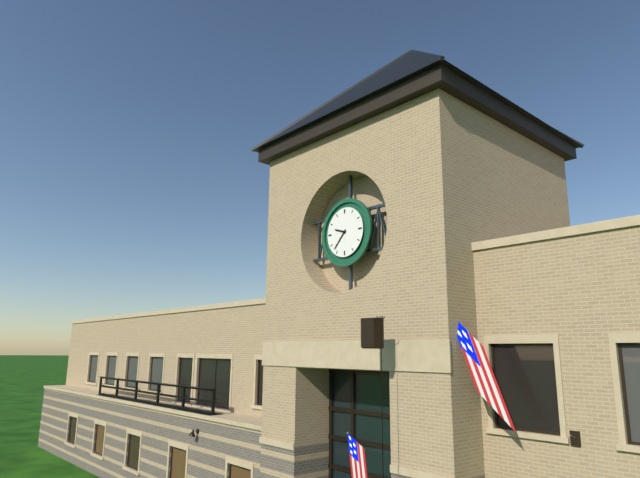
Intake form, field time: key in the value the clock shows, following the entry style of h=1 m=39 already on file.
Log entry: h=9 m=37
